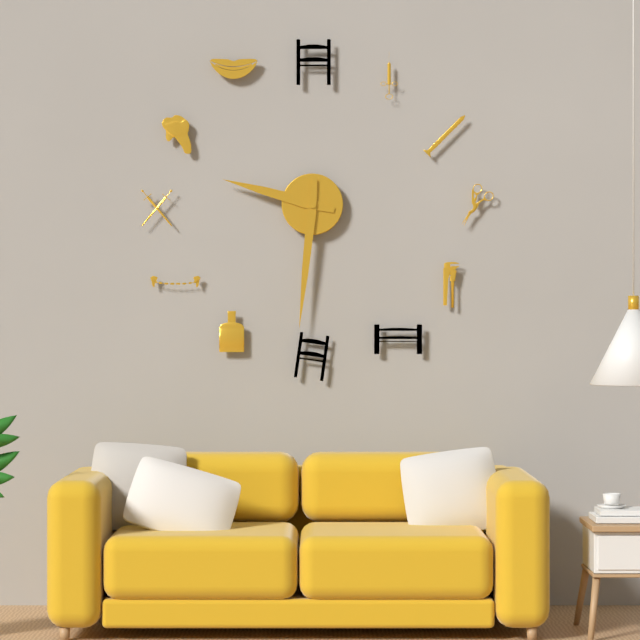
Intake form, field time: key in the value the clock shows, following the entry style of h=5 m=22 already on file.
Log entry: h=9 m=31
